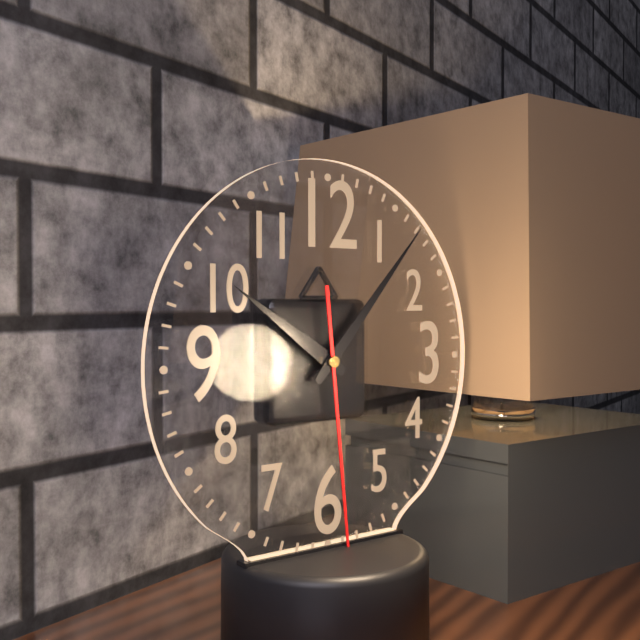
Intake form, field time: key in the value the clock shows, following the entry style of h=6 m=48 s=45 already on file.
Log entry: h=10 m=7 s=29
